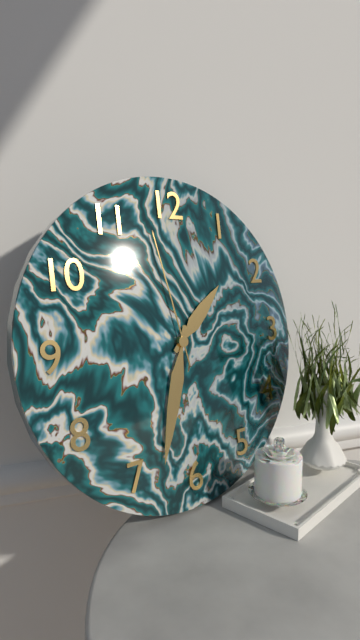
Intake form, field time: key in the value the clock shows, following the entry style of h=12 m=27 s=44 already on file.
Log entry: h=1 m=33 s=58
